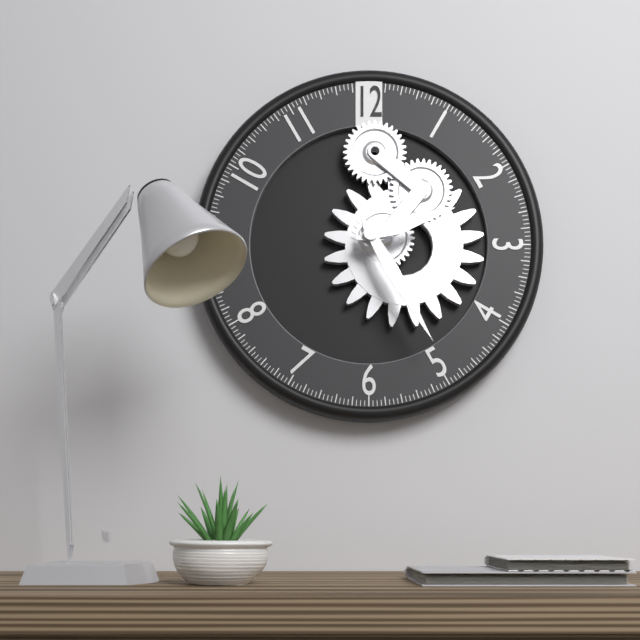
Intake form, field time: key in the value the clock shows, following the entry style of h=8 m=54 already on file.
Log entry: h=2 m=25
